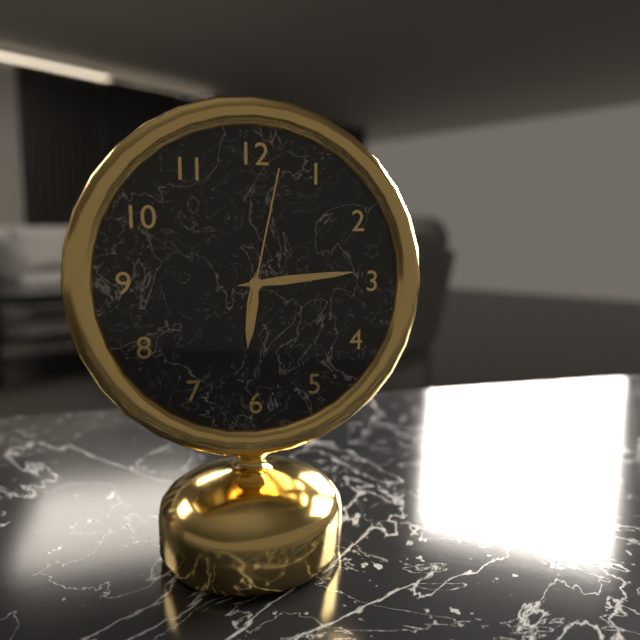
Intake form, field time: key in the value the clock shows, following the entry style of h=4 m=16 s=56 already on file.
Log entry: h=6 m=14 s=2
